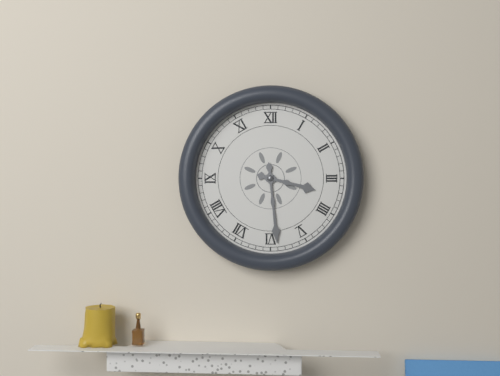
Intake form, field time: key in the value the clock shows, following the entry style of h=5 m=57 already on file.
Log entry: h=3 m=29
